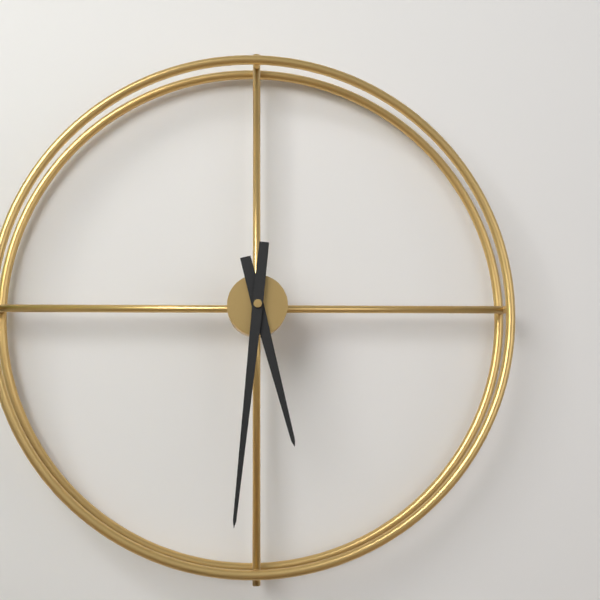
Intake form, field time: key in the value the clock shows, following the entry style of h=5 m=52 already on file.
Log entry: h=5 m=31
